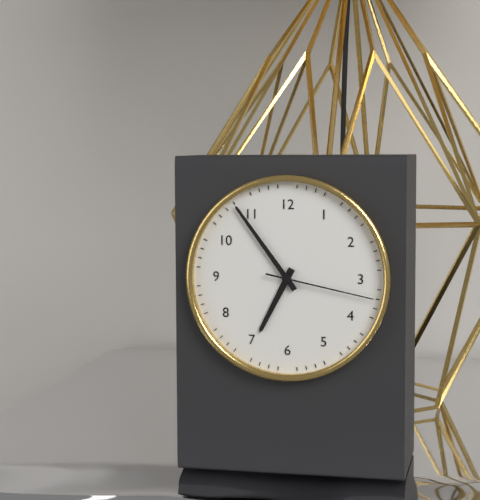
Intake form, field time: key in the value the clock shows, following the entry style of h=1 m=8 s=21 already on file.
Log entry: h=6 m=54 s=17
